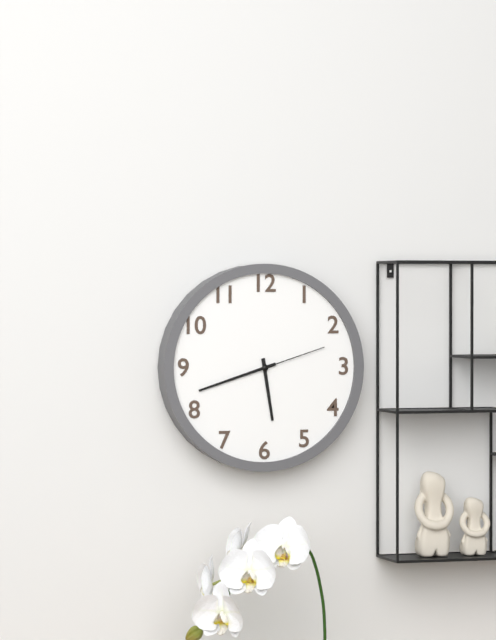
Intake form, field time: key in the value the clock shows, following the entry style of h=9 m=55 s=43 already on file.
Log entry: h=5 m=42 s=12
